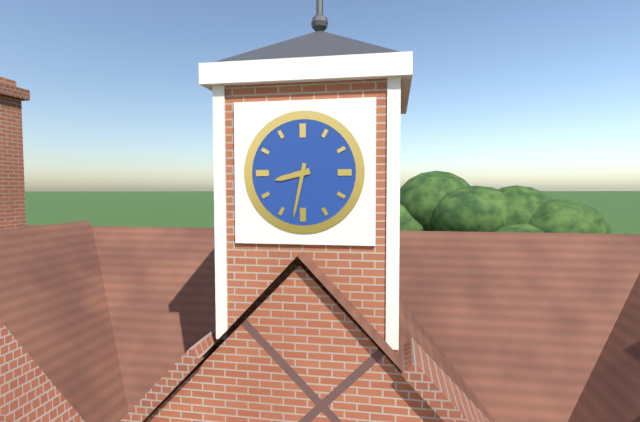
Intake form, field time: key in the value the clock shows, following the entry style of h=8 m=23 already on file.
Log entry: h=8 m=32
